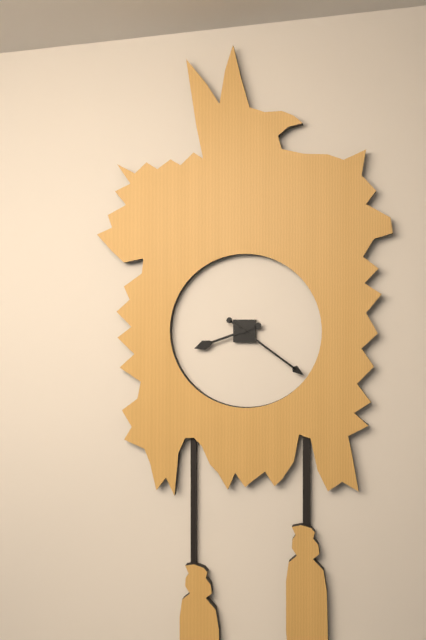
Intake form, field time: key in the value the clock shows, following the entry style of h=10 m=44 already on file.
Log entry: h=8 m=21
